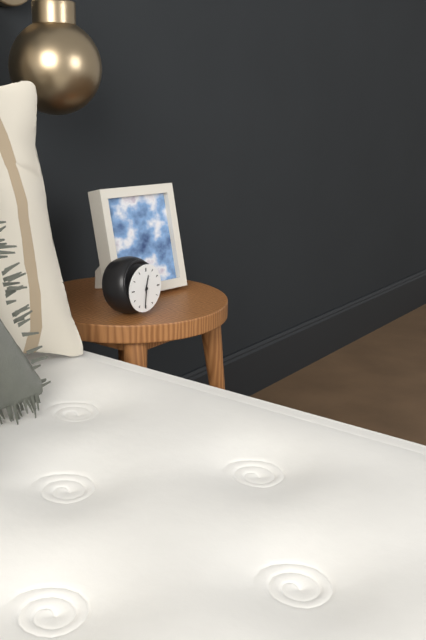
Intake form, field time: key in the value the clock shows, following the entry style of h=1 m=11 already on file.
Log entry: h=12 m=31
